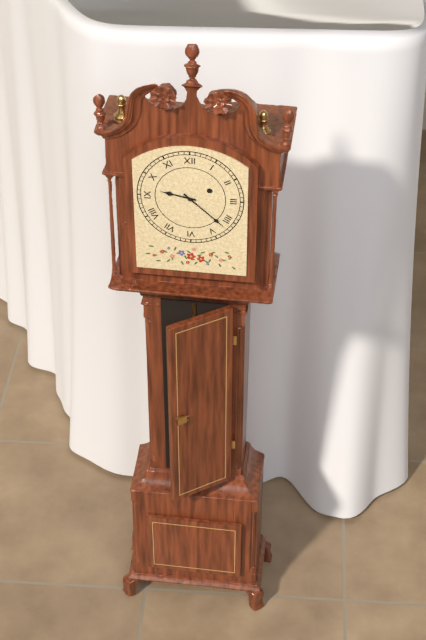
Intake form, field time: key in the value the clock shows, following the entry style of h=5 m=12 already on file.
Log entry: h=9 m=22
